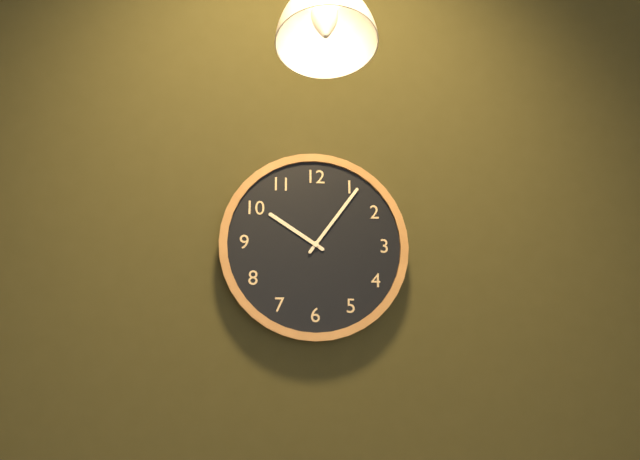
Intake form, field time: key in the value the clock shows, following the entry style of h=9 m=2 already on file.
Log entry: h=10 m=6
